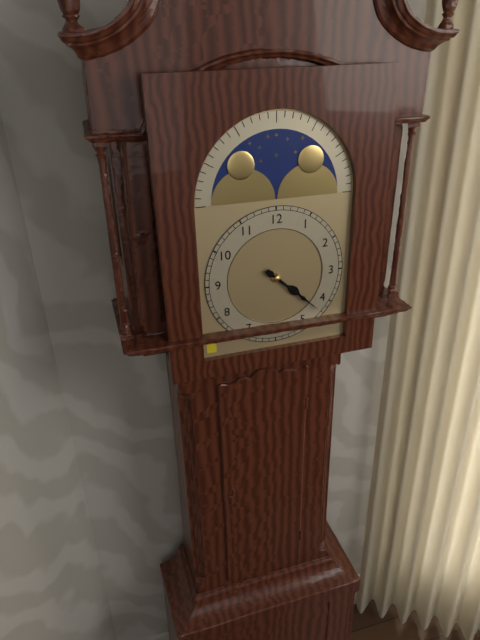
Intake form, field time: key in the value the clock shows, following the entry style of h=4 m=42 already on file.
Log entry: h=4 m=22
